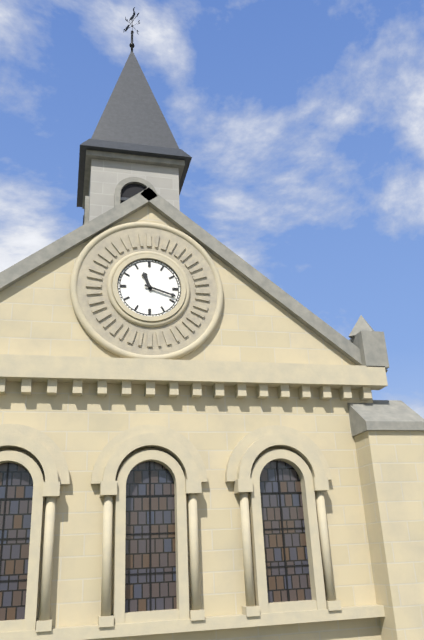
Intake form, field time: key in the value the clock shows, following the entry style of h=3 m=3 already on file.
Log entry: h=11 m=18
